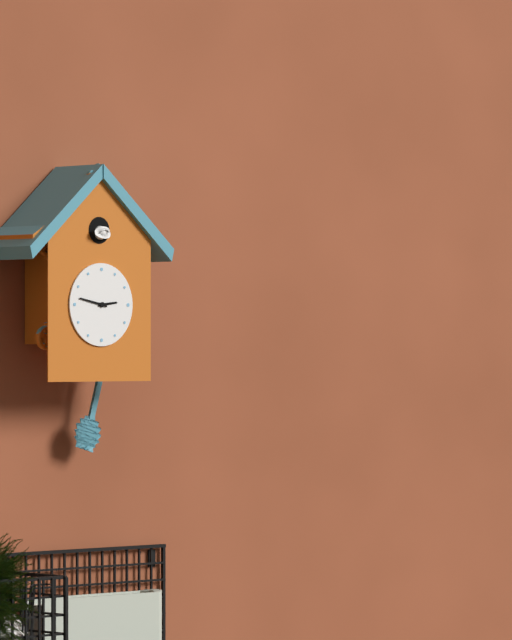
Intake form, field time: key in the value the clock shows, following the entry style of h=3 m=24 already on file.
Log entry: h=2 m=47
